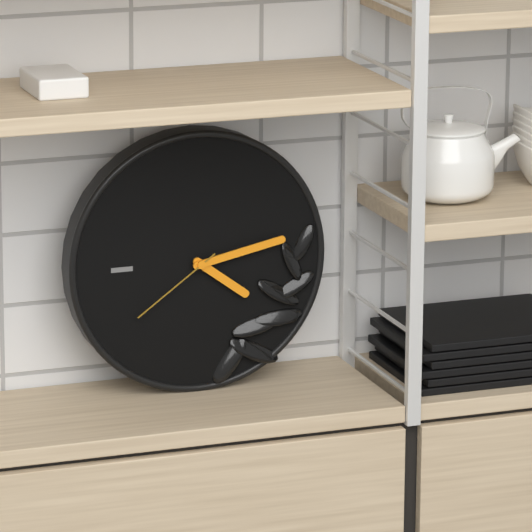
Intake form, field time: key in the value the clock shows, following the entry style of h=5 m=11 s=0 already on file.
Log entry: h=4 m=13 s=39
